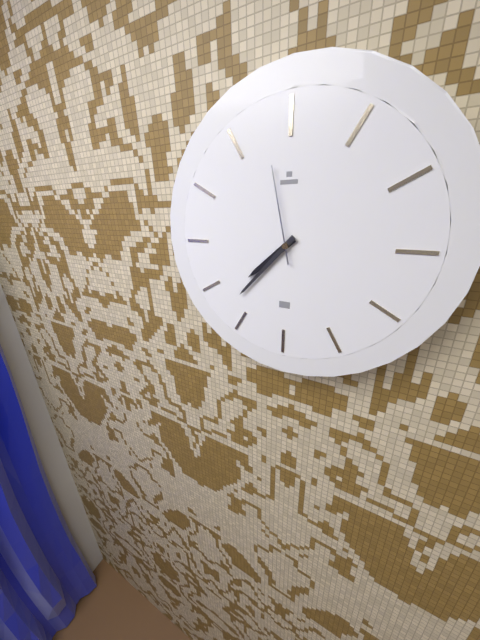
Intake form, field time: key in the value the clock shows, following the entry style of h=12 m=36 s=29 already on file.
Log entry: h=7 m=37 s=58
